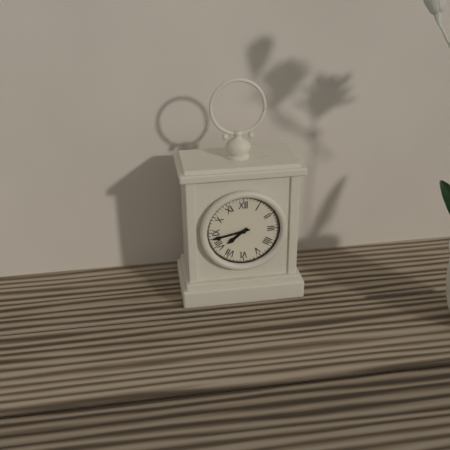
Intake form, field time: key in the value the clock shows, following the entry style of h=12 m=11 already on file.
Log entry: h=7 m=43
